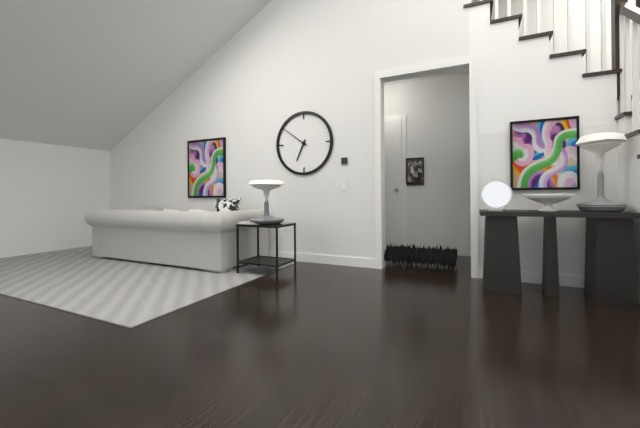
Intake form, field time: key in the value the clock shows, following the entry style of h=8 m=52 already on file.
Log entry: h=6 m=51
